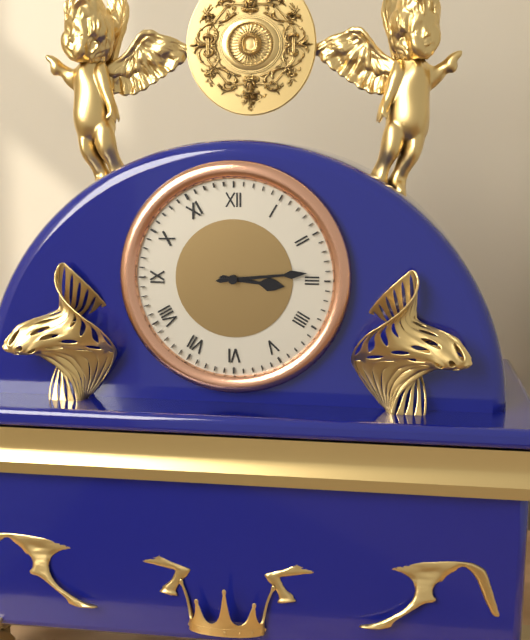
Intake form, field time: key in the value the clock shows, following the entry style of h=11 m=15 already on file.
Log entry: h=3 m=14
